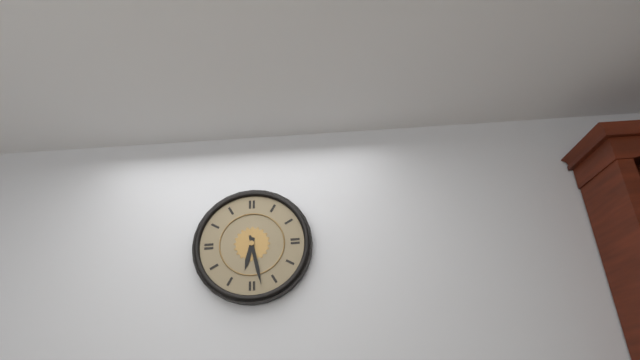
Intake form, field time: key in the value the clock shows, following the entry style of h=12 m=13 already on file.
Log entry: h=6 m=28
